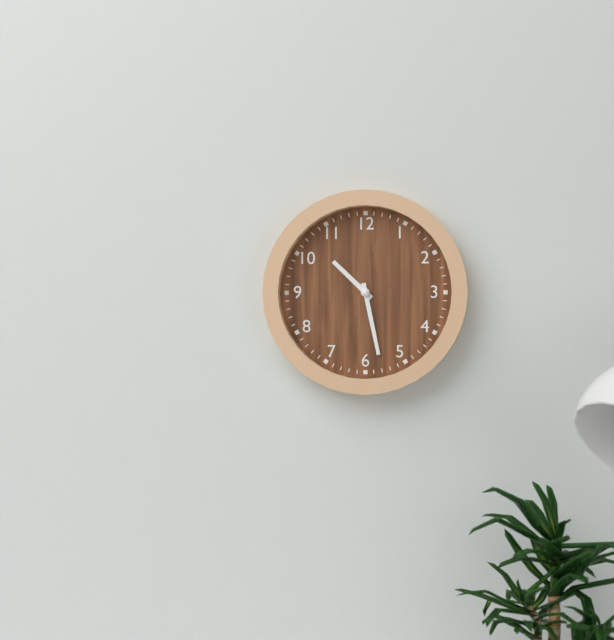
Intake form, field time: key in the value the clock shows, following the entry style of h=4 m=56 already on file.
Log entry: h=10 m=28
